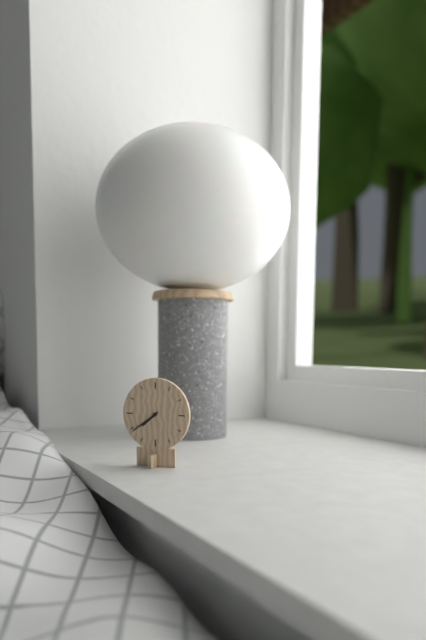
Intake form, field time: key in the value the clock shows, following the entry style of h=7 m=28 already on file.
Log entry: h=7 m=39
